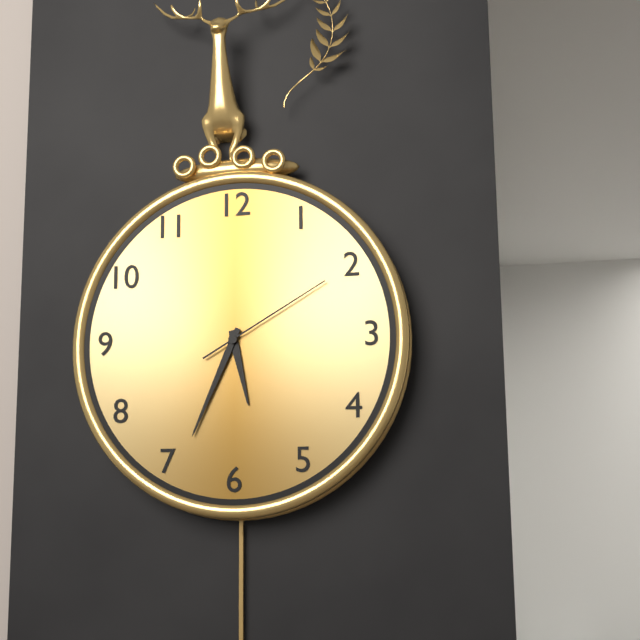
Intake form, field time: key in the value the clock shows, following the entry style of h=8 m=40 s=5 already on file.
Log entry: h=5 m=34 s=10
